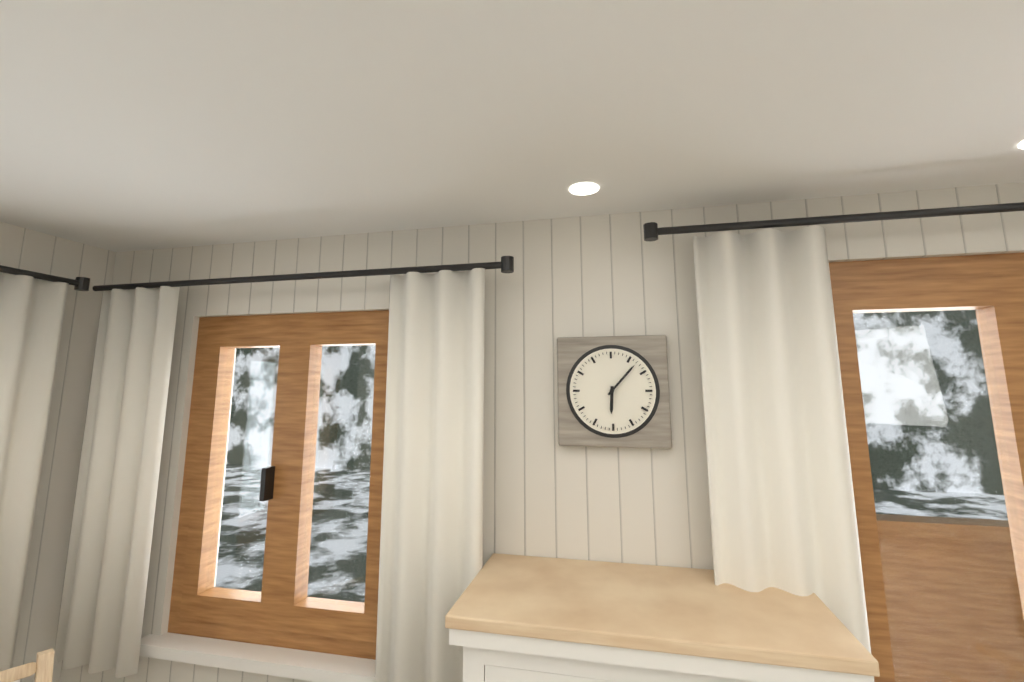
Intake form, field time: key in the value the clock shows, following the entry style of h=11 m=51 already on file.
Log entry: h=6 m=7
